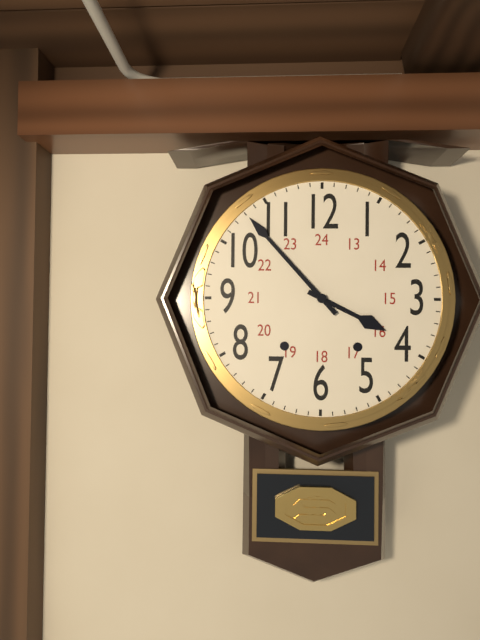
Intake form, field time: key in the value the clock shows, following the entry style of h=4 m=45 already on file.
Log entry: h=3 m=53
